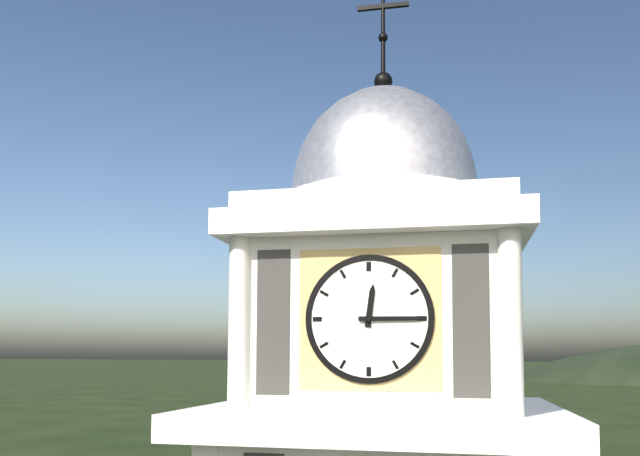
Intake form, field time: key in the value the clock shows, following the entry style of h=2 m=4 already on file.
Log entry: h=12 m=15
